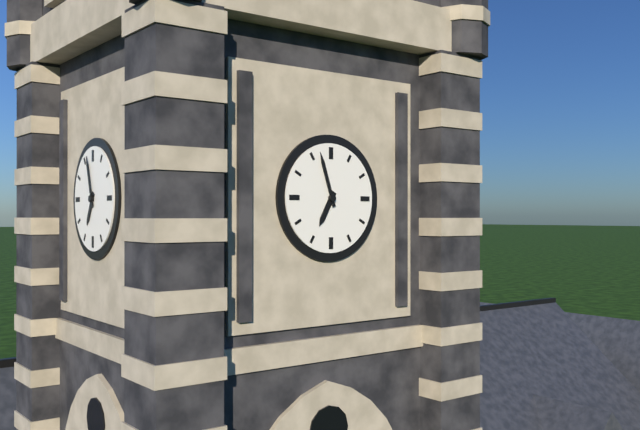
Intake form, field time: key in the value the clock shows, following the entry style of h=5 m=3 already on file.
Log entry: h=6 m=57
